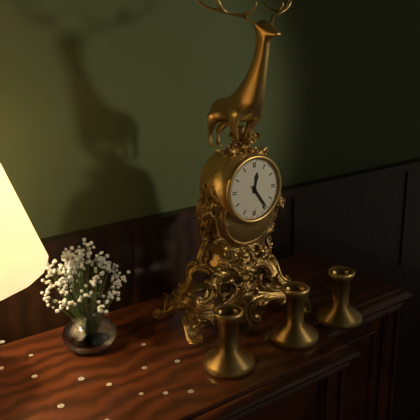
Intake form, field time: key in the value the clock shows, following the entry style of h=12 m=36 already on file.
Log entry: h=12 m=24
